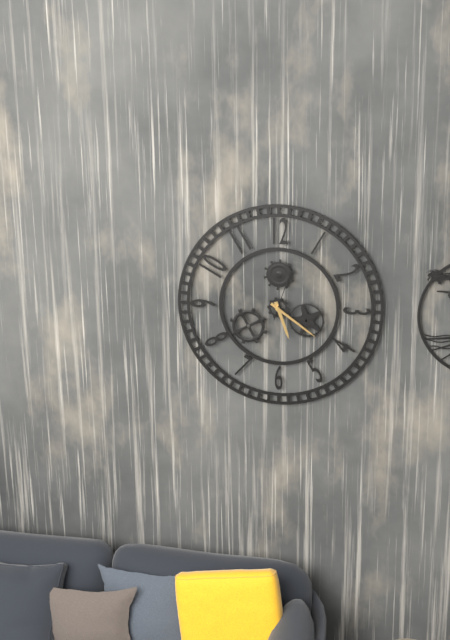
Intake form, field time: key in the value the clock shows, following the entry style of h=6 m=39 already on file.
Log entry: h=5 m=21
